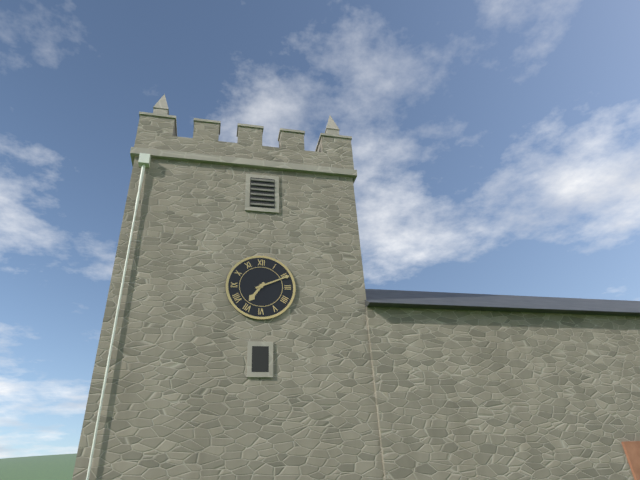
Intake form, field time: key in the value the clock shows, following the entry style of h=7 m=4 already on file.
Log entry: h=7 m=11
